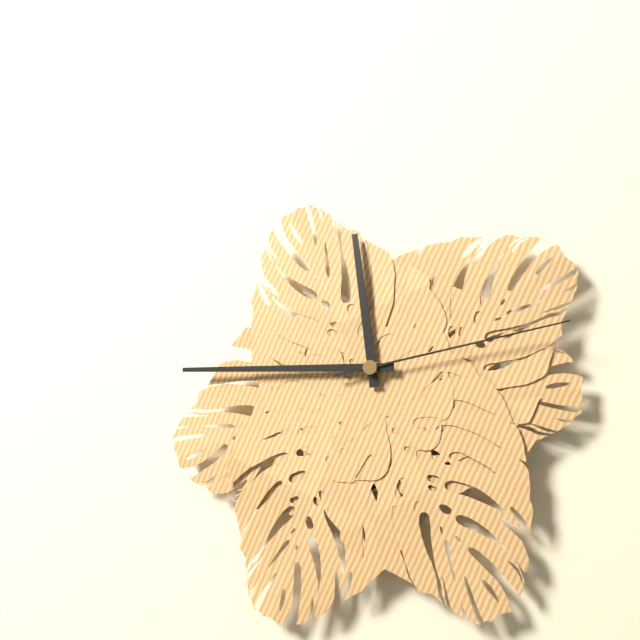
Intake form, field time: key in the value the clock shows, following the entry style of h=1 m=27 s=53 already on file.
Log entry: h=11 m=45 s=13
